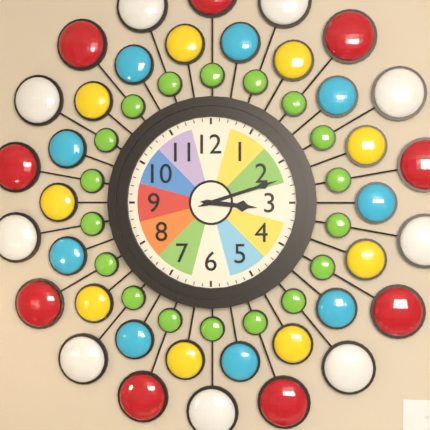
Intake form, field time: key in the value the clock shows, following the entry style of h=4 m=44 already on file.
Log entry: h=3 m=12
